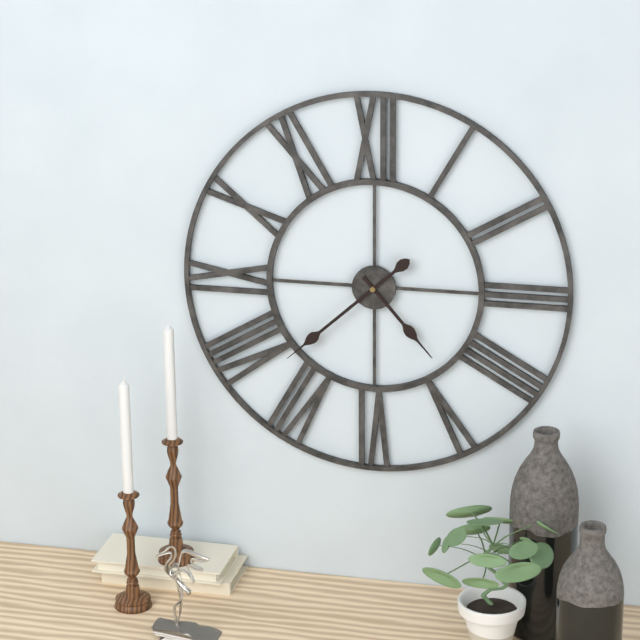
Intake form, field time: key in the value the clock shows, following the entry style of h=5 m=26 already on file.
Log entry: h=4 m=38
